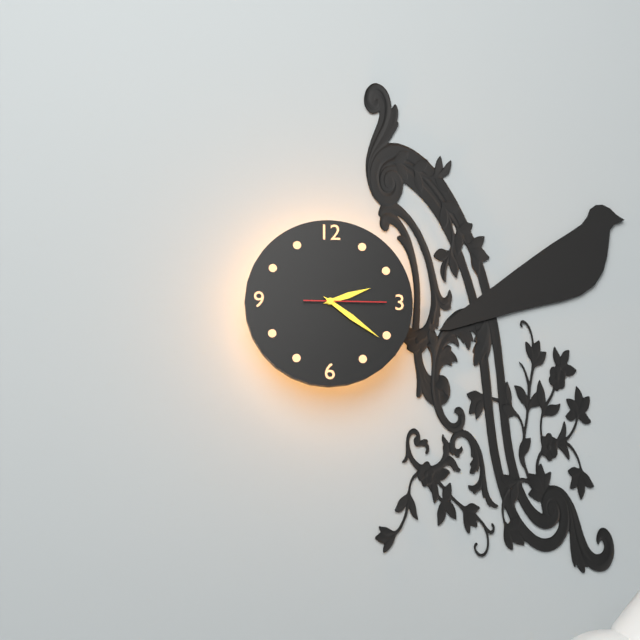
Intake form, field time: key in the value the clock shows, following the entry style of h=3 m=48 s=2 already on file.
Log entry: h=2 m=21 s=15
